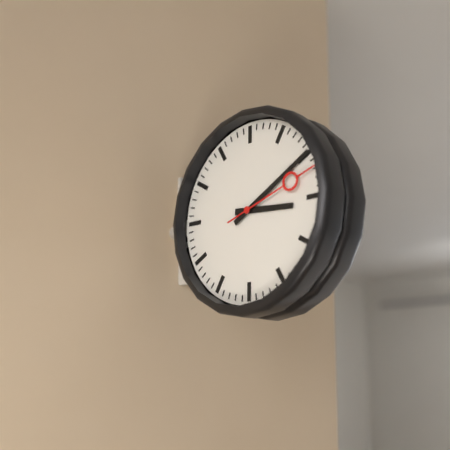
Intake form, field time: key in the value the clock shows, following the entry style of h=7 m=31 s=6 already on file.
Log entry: h=3 m=10 s=12
